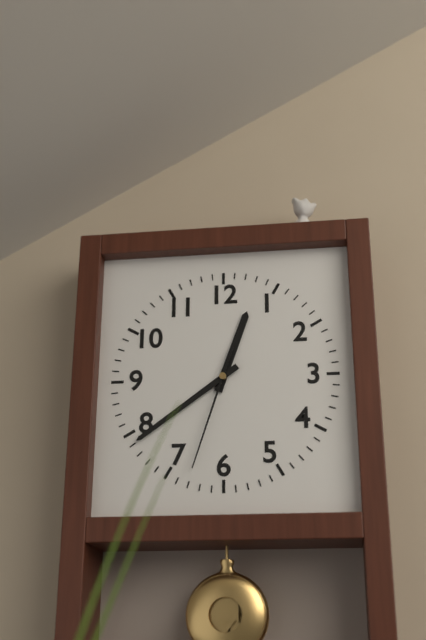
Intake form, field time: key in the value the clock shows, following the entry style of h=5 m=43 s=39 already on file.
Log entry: h=12 m=39 s=33
